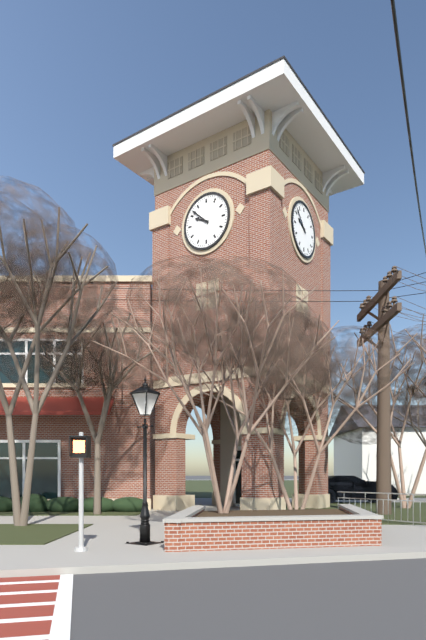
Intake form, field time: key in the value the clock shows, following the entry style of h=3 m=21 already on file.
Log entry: h=9 m=52
